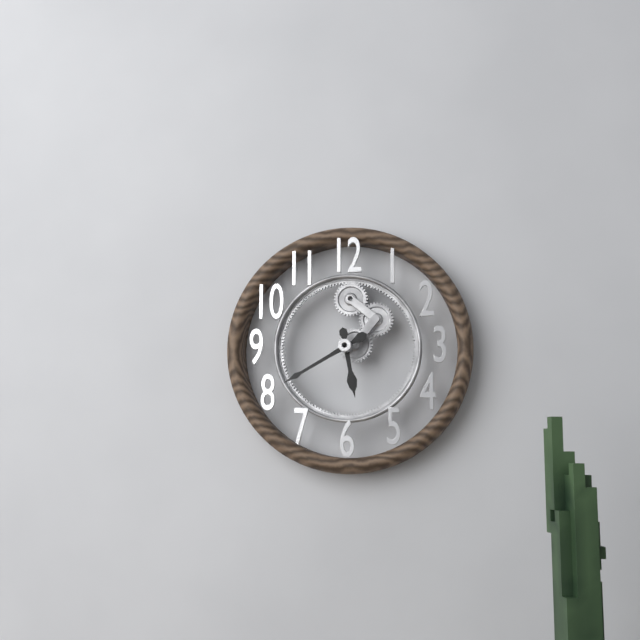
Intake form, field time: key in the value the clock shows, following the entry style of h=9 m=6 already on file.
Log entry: h=5 m=40
